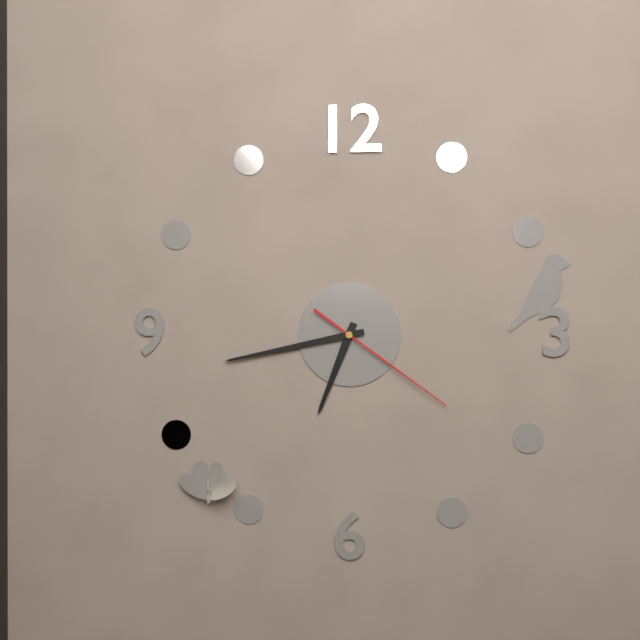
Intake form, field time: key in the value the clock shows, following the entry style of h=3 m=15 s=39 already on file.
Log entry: h=6 m=43 s=21
